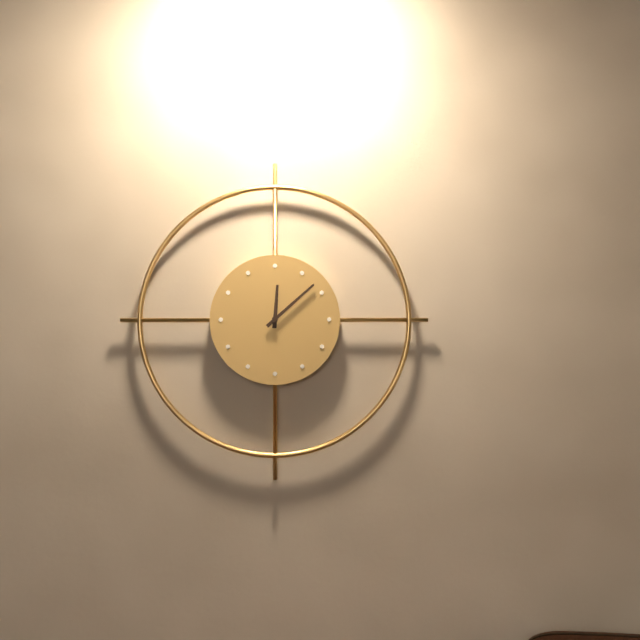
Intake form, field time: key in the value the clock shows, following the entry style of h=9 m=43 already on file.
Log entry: h=12 m=8
